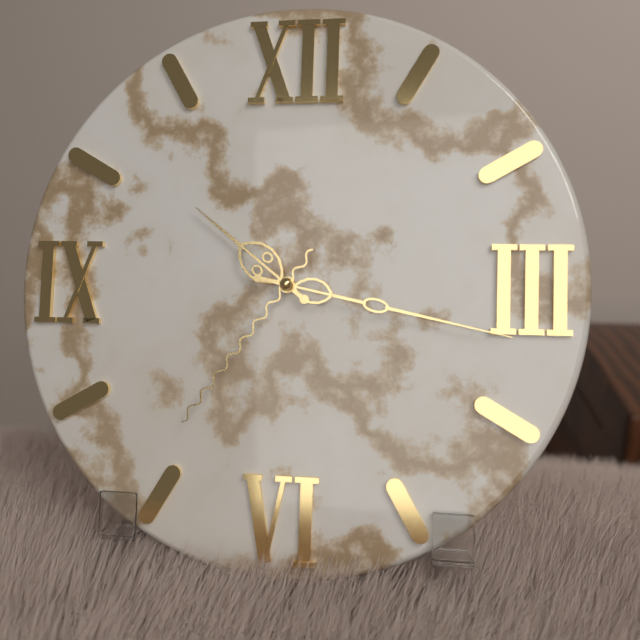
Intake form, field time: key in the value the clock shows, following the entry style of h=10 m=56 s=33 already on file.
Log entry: h=10 m=17 s=36
